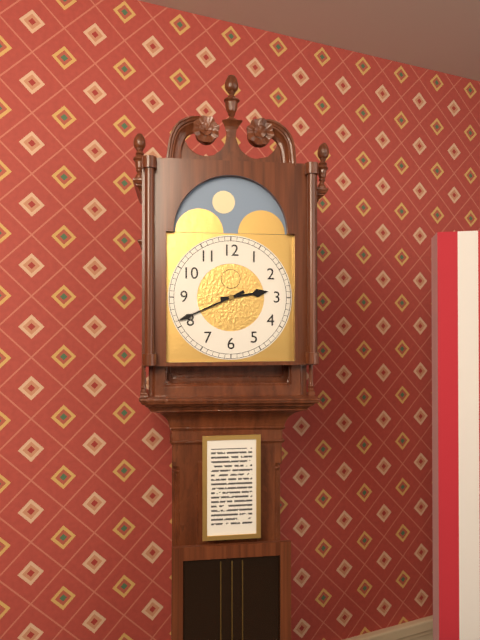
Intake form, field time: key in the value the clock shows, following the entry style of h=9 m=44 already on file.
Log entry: h=2 m=41
